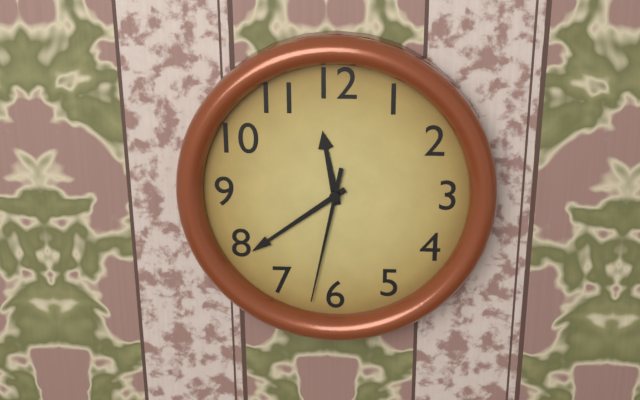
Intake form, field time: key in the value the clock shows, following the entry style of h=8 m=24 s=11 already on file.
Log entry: h=11 m=39 s=32
